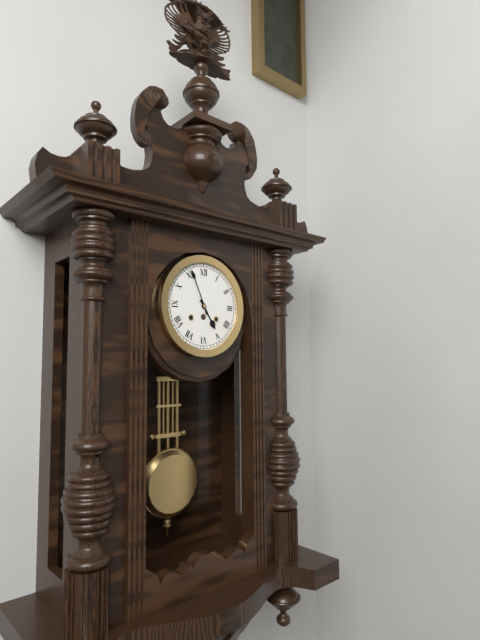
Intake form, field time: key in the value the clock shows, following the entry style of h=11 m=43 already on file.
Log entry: h=4 m=56
